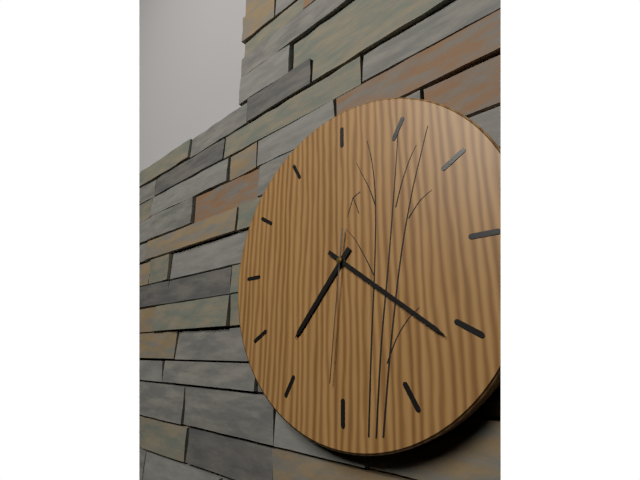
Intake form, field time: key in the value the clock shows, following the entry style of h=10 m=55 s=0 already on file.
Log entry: h=7 m=21 s=31
